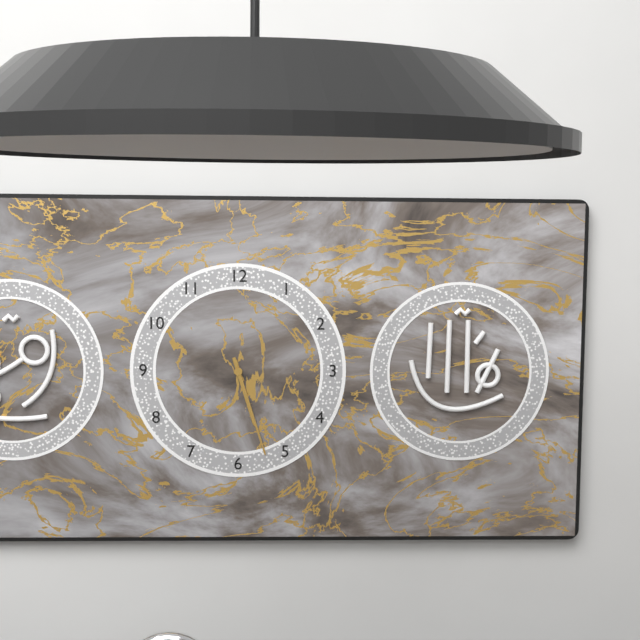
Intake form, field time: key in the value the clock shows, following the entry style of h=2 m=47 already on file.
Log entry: h=5 m=27
